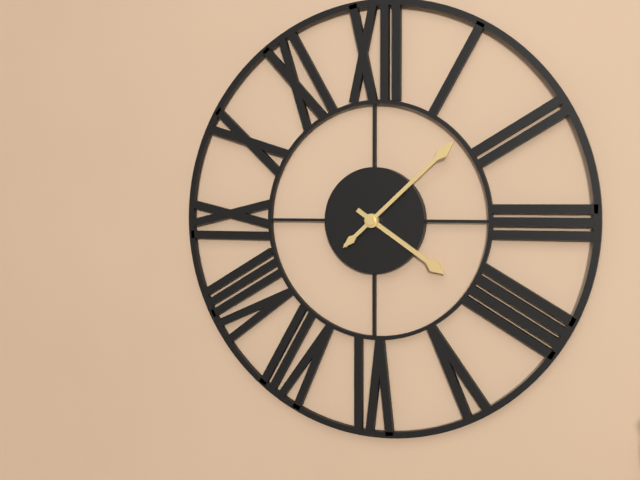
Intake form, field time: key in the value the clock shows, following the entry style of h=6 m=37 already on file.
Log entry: h=4 m=8
